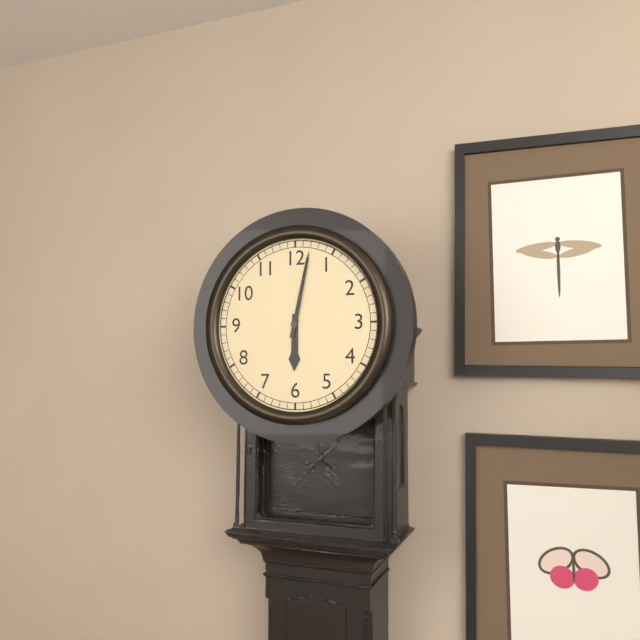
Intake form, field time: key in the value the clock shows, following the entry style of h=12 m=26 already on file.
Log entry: h=6 m=2
